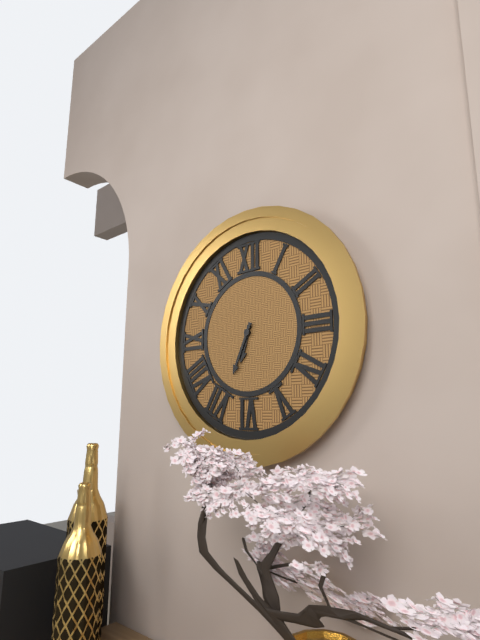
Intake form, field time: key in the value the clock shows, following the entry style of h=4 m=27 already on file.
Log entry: h=6 m=34
